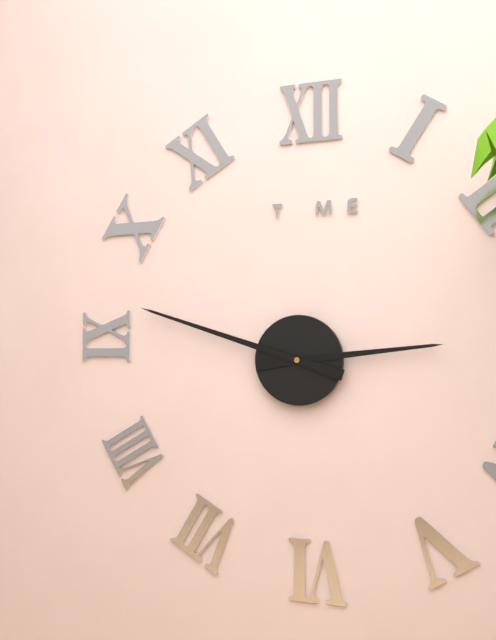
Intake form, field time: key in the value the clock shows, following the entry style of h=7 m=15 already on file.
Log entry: h=2 m=48
